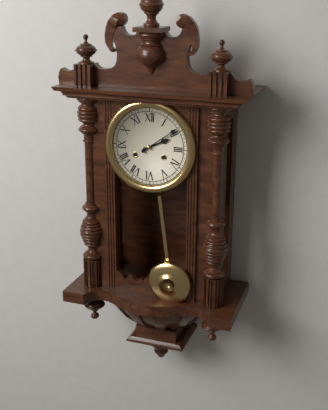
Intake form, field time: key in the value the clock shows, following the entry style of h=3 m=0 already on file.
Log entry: h=2 m=9
